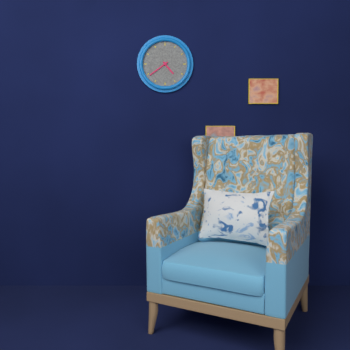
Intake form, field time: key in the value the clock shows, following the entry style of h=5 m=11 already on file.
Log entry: h=4 m=39
